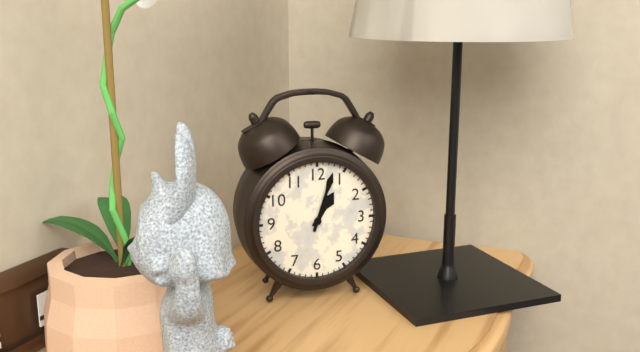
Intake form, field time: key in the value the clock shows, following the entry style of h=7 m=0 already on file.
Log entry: h=1 m=3
